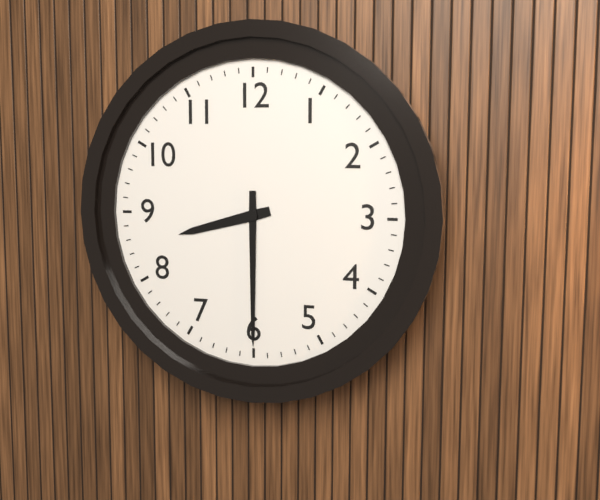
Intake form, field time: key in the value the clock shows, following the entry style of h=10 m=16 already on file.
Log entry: h=8 m=30
